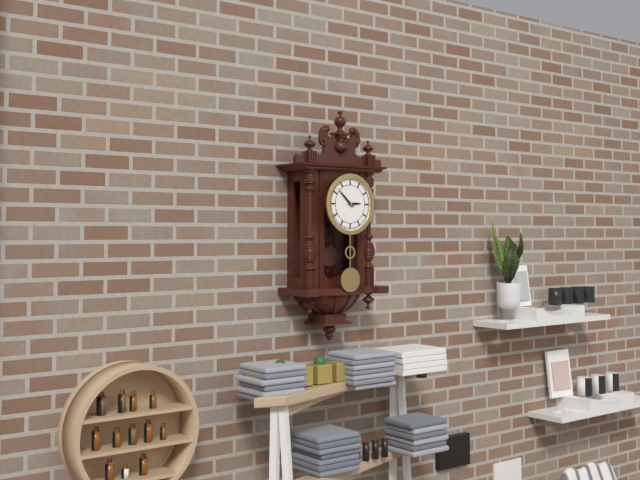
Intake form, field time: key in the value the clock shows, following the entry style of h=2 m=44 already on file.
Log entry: h=2 m=52
